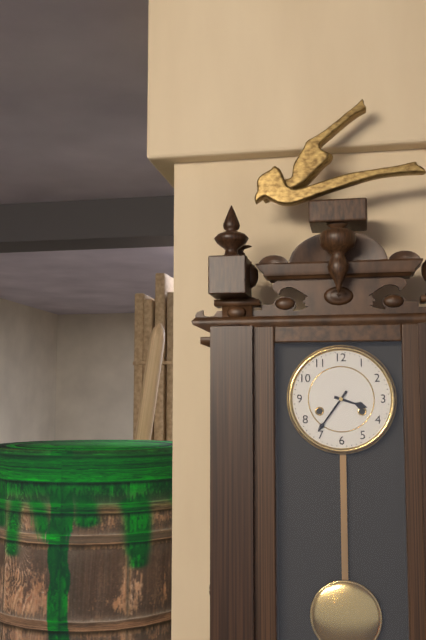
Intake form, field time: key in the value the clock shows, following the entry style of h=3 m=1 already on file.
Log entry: h=3 m=36
